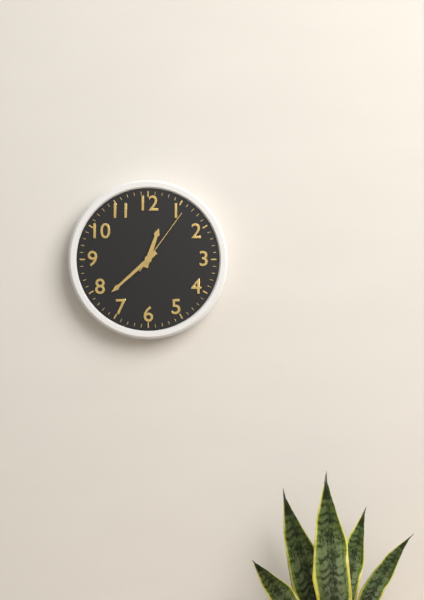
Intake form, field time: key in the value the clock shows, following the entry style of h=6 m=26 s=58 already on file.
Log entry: h=12 m=38 s=6
